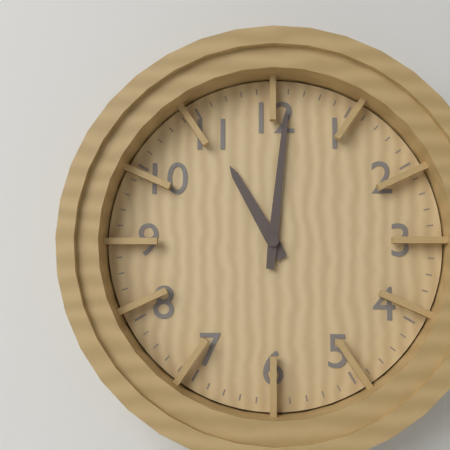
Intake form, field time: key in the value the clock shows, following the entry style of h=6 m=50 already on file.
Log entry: h=11 m=1
